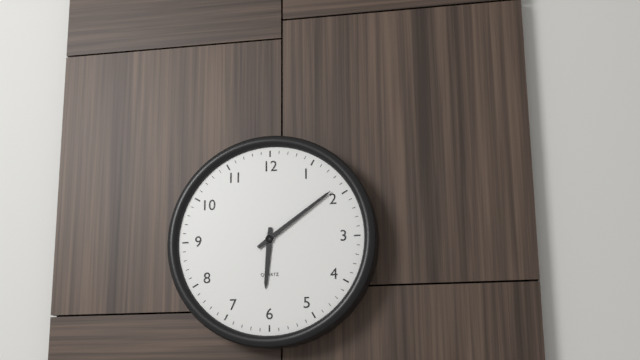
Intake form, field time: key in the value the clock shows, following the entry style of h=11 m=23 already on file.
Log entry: h=6 m=9
